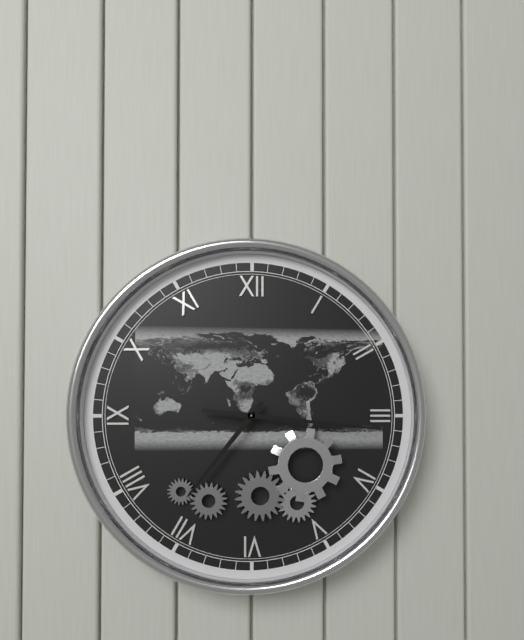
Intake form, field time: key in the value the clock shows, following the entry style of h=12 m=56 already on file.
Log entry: h=7 m=16
